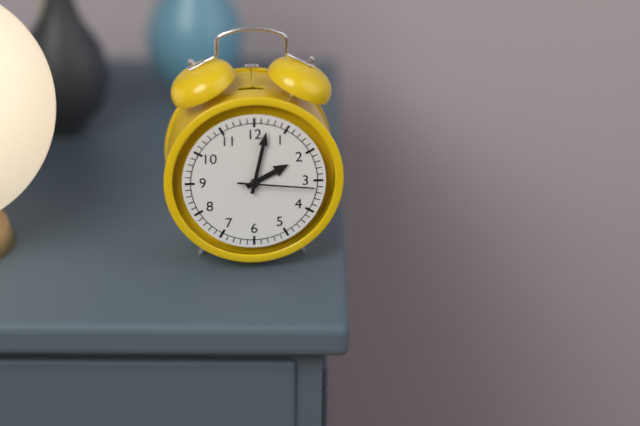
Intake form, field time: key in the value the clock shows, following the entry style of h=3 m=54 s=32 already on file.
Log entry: h=2 m=2 s=16
